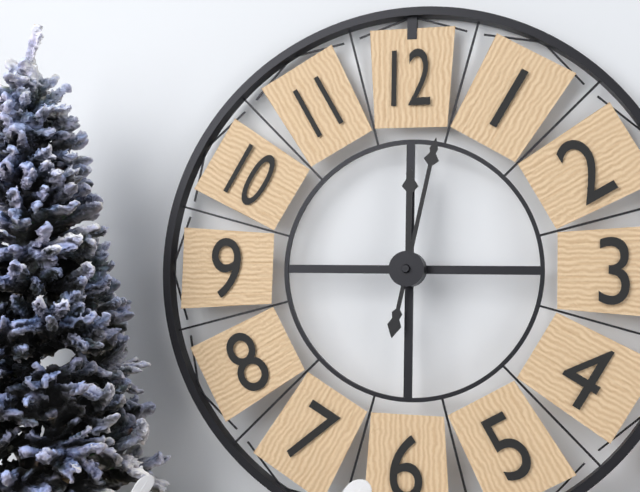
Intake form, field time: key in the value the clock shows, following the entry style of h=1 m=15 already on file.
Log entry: h=12 m=2
